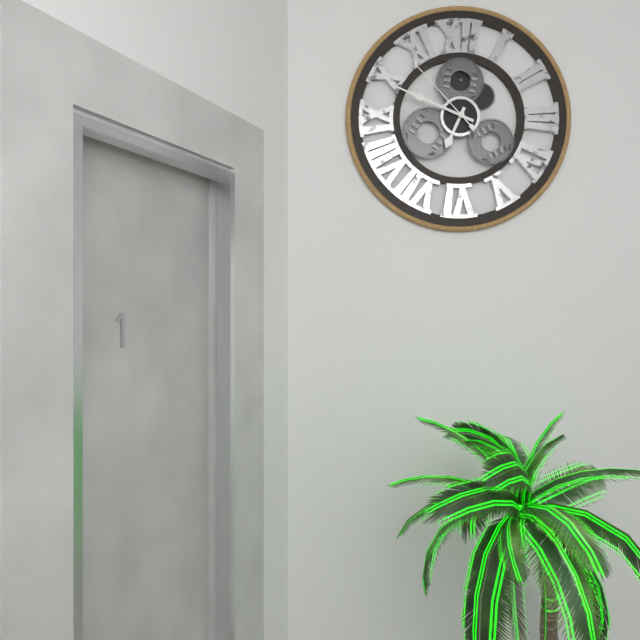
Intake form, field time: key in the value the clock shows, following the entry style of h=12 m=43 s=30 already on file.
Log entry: h=6 m=49 s=53
